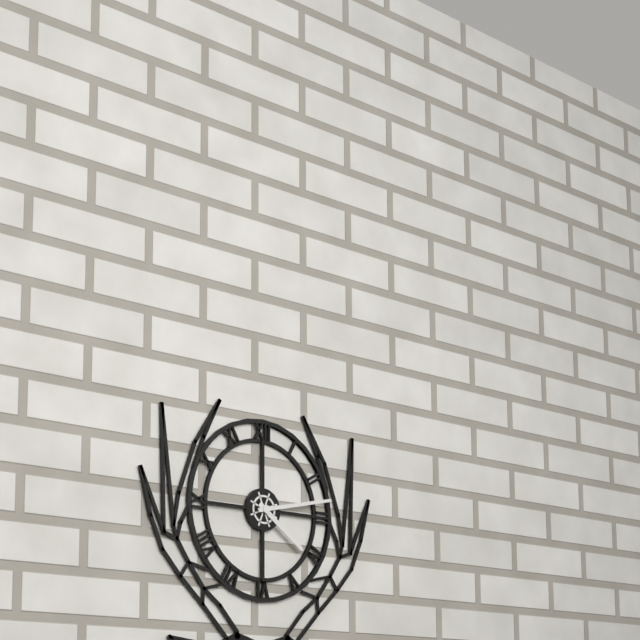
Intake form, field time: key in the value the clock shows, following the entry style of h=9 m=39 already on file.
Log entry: h=4 m=13
